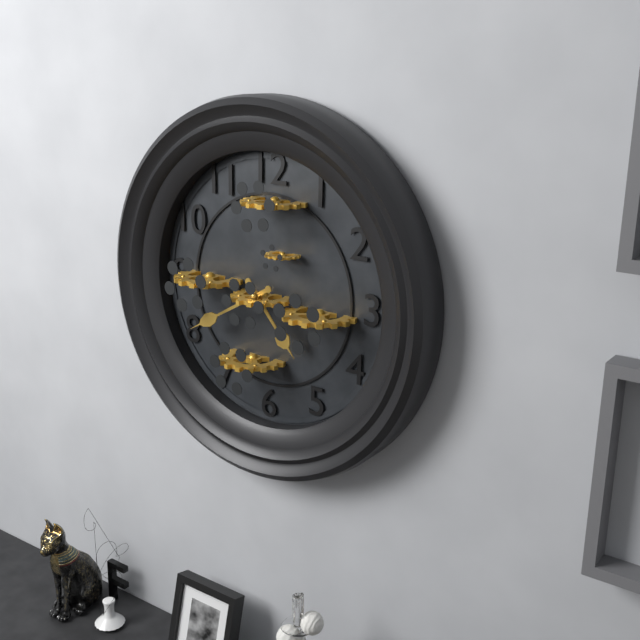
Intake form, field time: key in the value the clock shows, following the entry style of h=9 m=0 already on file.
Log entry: h=4 m=40
